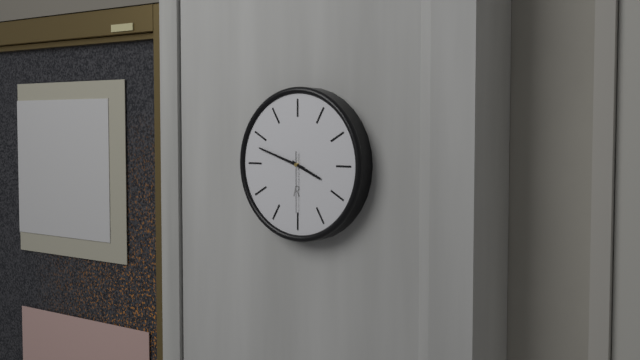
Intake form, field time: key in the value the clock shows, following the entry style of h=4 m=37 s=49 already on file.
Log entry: h=3 m=48 s=30
